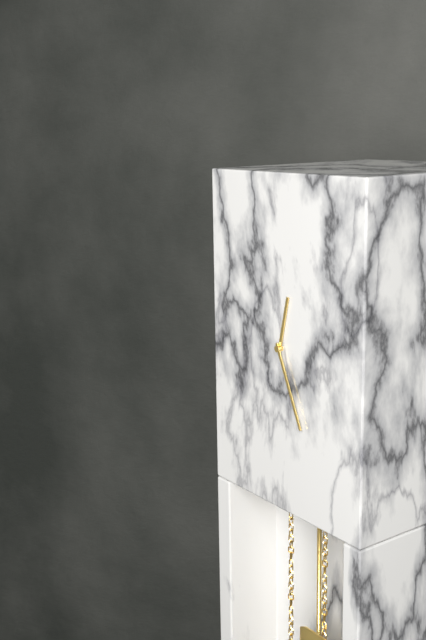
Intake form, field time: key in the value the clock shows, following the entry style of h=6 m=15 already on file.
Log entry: h=12 m=26
